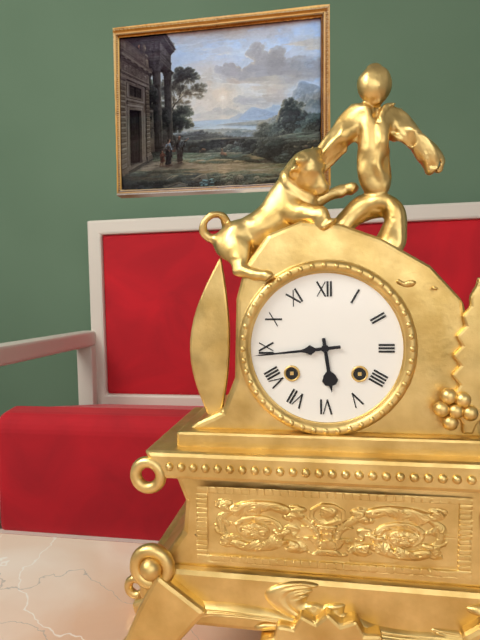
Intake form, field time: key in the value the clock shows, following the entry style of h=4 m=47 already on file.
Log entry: h=5 m=44
